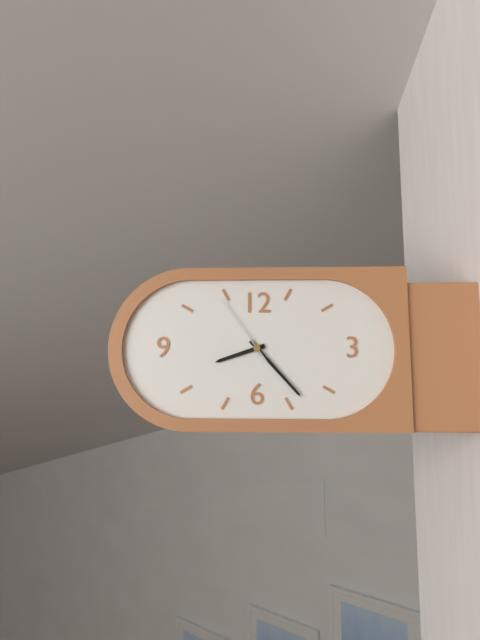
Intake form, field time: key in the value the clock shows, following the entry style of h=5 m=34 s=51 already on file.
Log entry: h=8 m=23 s=54
